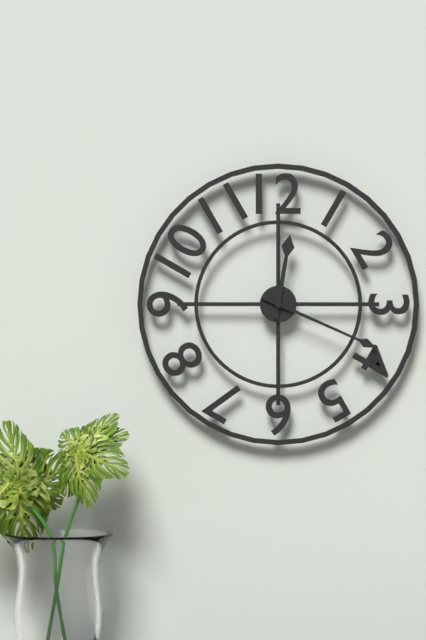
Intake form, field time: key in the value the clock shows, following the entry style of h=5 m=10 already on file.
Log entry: h=12 m=19
